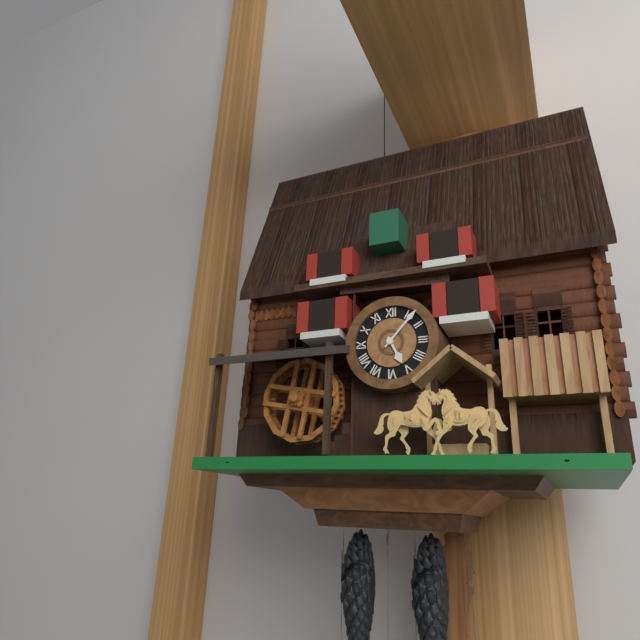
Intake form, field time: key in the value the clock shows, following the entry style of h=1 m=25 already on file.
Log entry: h=5 m=7
